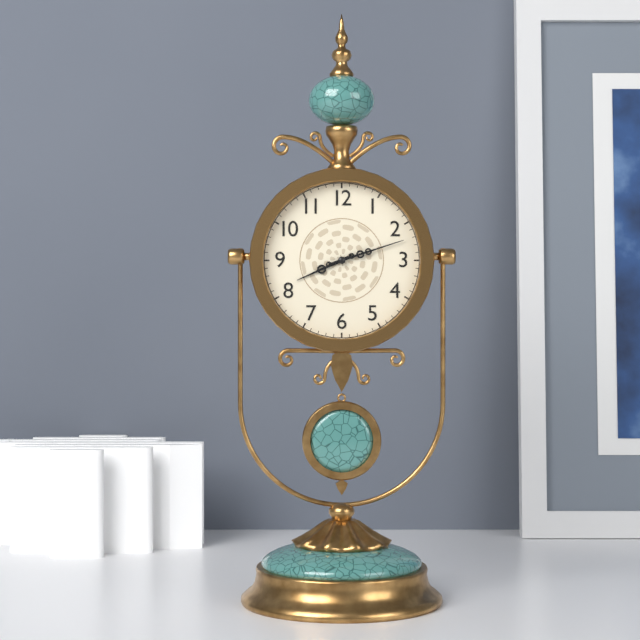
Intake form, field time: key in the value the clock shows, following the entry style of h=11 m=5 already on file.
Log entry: h=8 m=12
